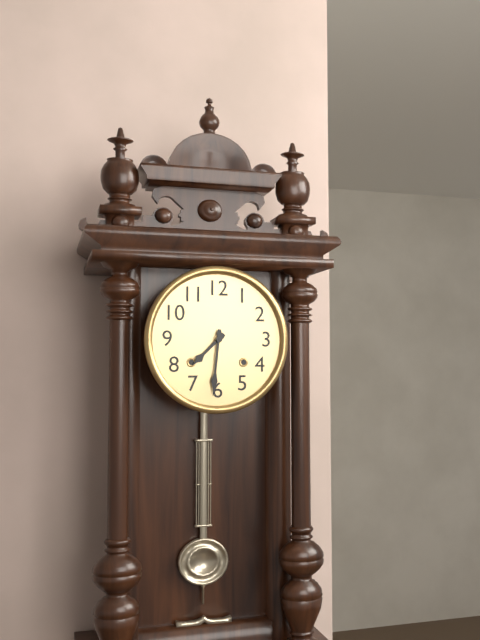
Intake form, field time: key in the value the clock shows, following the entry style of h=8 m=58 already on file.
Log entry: h=7 m=31
